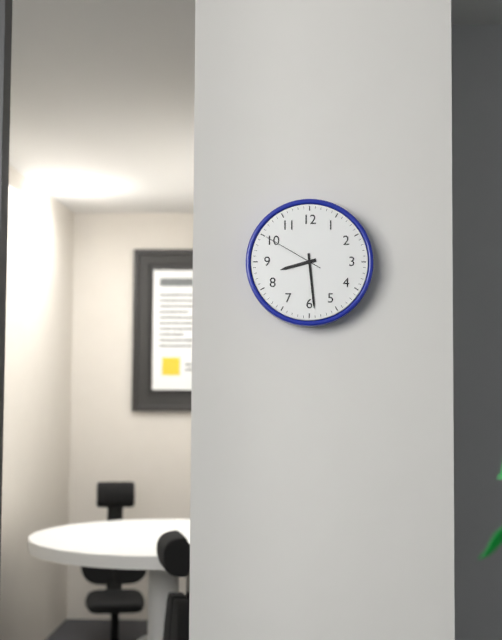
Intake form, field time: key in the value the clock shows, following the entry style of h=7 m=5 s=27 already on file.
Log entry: h=8 m=29 s=50
